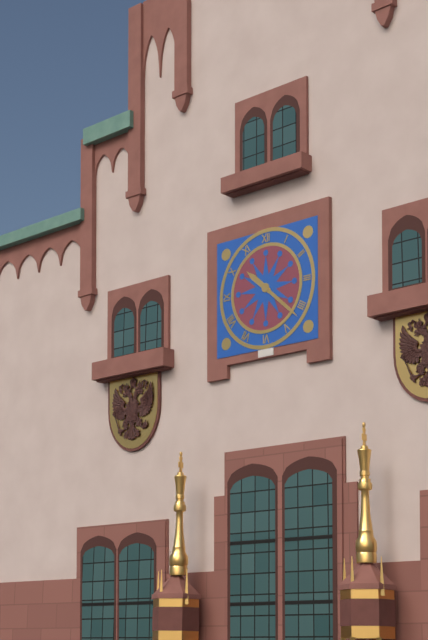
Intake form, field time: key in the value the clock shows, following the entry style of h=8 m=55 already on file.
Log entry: h=10 m=22
